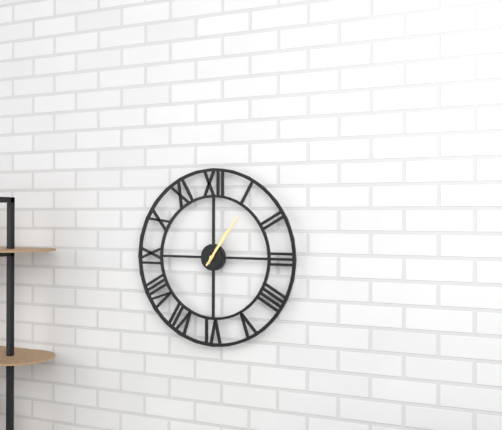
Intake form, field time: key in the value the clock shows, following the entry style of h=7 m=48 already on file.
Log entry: h=1 m=6
